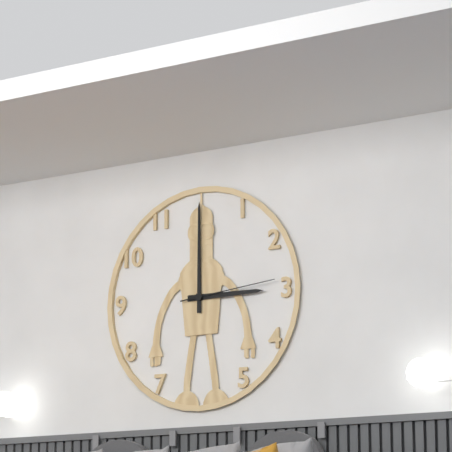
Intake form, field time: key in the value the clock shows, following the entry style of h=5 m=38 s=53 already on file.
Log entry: h=3 m=0 s=14
